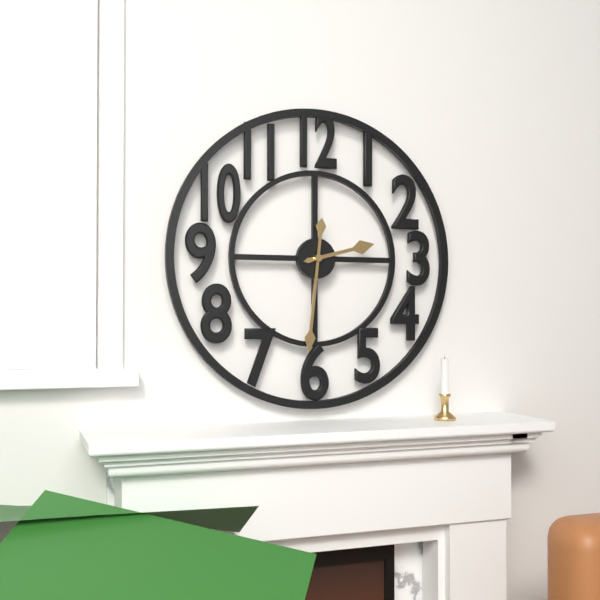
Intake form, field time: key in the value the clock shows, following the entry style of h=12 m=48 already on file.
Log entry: h=2 m=31
